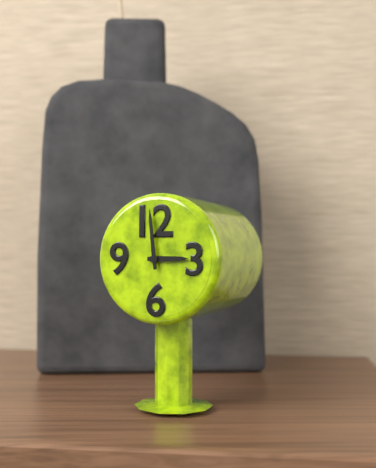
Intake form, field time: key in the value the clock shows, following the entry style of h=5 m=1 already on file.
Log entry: h=2 m=59
